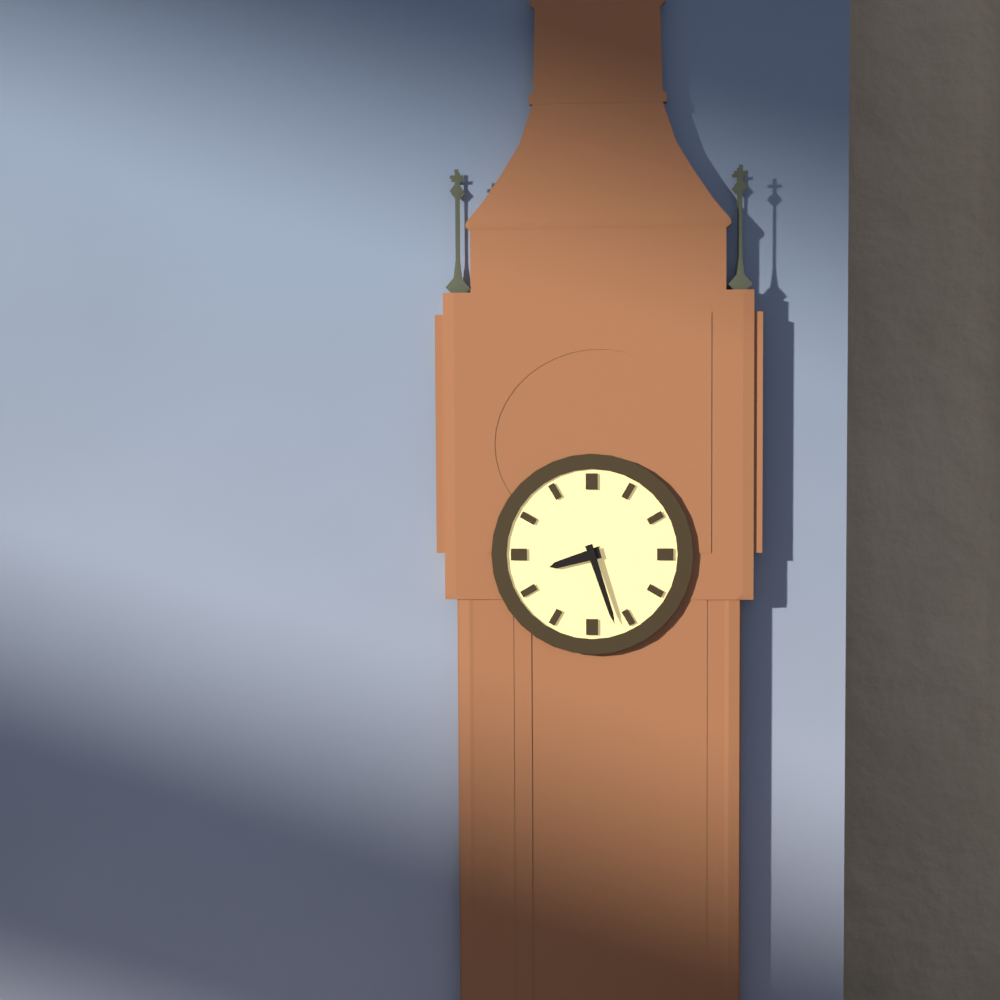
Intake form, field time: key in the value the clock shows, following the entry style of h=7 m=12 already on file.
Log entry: h=8 m=27
